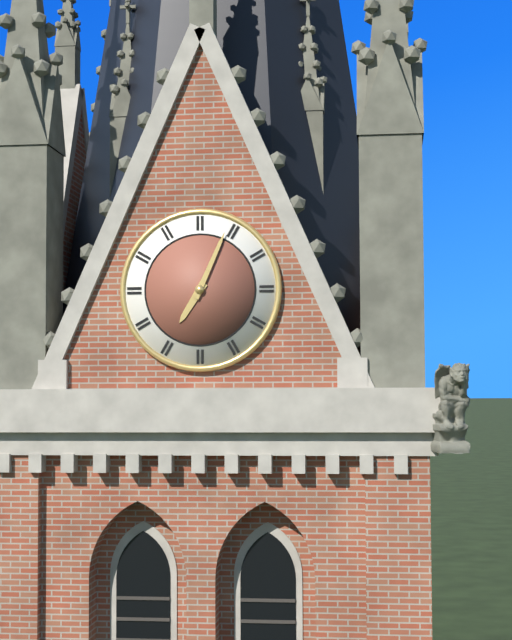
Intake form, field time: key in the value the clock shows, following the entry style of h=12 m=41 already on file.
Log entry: h=7 m=4
